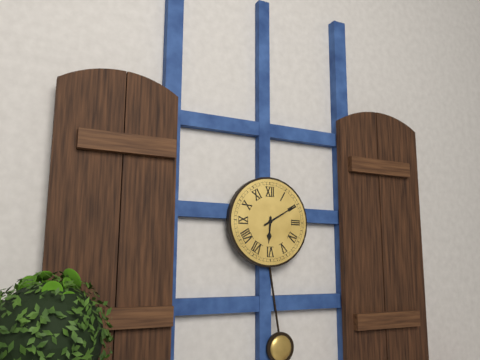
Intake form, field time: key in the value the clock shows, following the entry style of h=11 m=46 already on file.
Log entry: h=6 m=10
